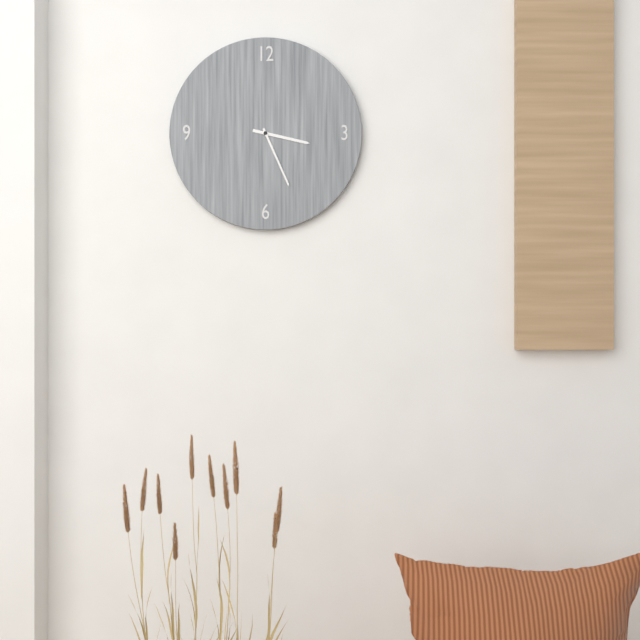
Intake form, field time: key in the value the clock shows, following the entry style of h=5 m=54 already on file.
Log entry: h=3 m=26
